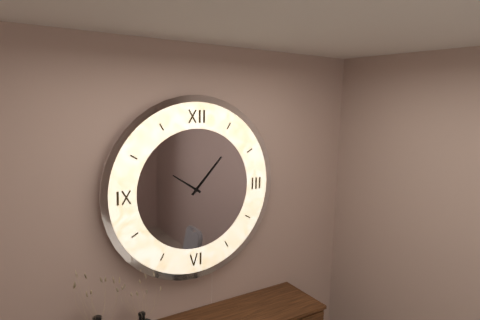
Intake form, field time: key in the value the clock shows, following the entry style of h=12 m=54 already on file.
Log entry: h=10 m=7
